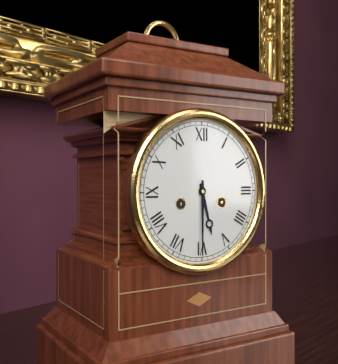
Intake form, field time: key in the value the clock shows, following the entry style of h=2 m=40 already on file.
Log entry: h=5 m=30
